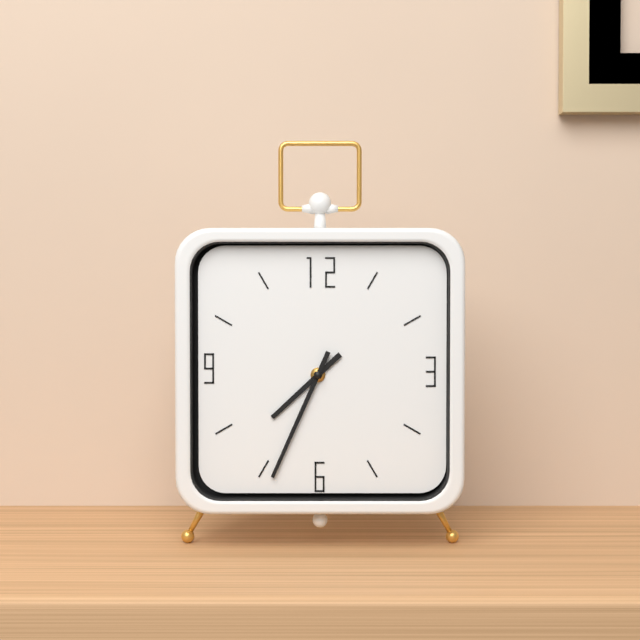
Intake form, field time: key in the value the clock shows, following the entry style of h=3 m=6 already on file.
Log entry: h=7 m=34
